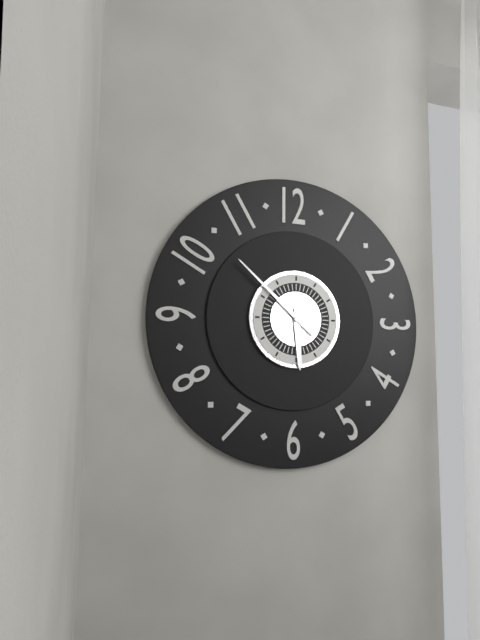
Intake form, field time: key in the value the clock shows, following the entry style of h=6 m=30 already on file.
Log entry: h=5 m=52
